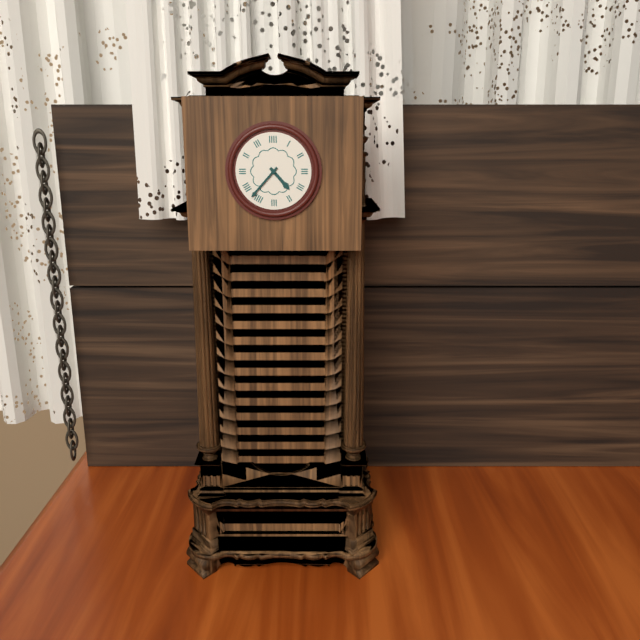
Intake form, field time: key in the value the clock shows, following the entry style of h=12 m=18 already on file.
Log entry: h=4 m=37
